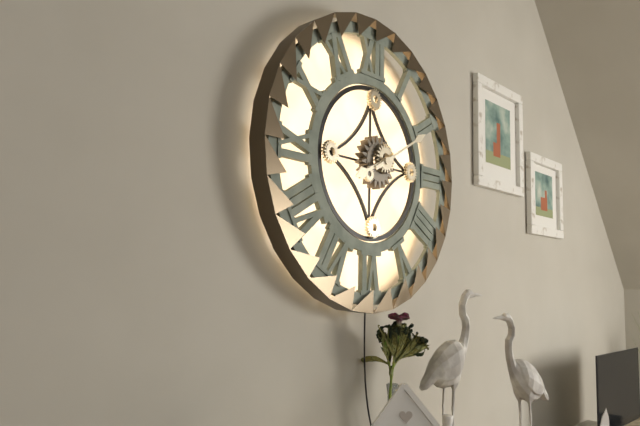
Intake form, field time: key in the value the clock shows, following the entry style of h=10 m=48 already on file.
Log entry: h=8 m=10
